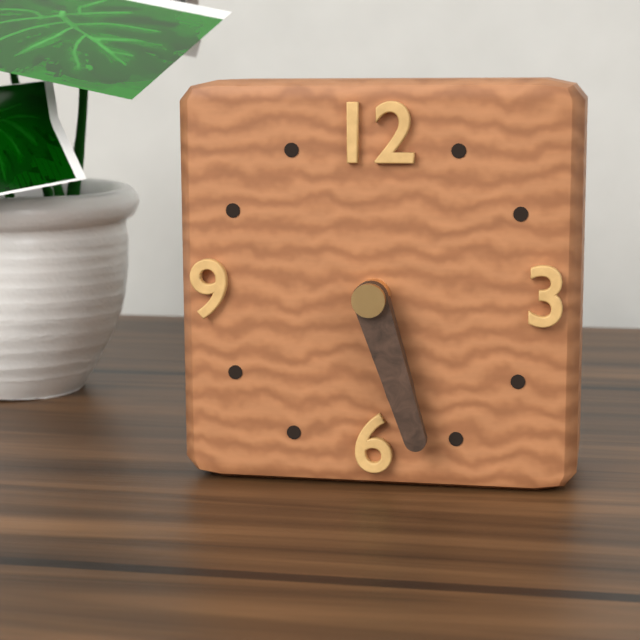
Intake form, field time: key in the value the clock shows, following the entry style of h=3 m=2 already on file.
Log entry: h=5 m=27
